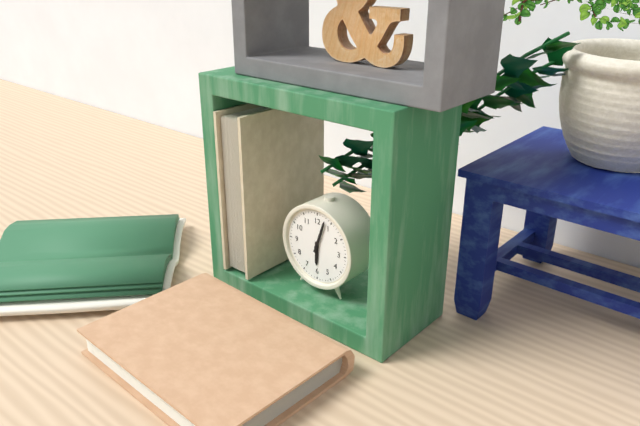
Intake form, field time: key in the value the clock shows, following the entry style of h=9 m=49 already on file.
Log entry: h=6 m=3
